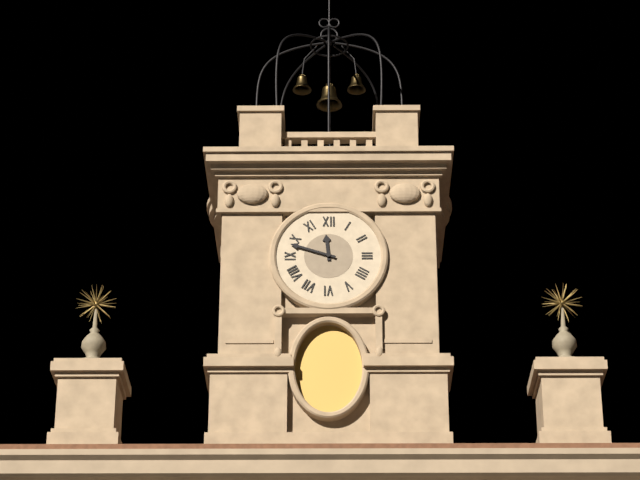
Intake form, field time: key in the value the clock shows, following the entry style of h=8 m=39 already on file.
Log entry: h=11 m=48
